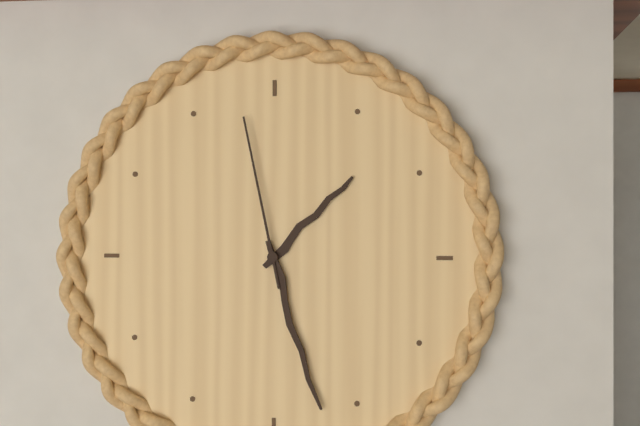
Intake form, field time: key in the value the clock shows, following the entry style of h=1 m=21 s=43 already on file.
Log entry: h=1 m=27 s=58
